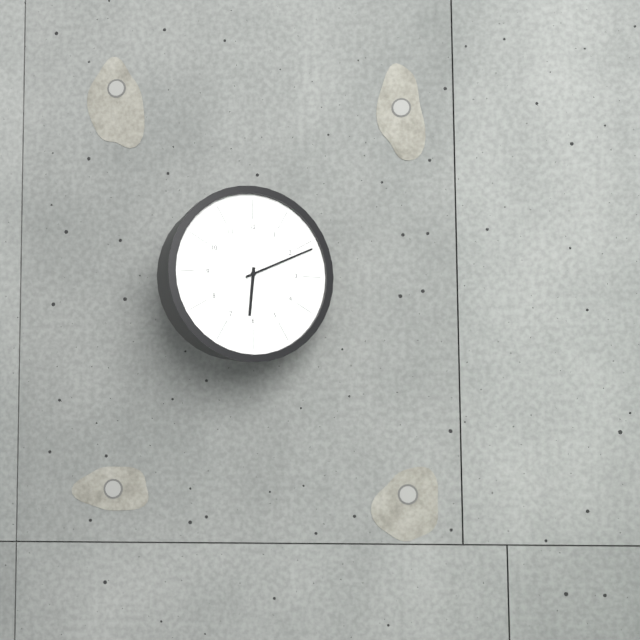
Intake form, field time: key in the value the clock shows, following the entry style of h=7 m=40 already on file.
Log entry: h=6 m=11
